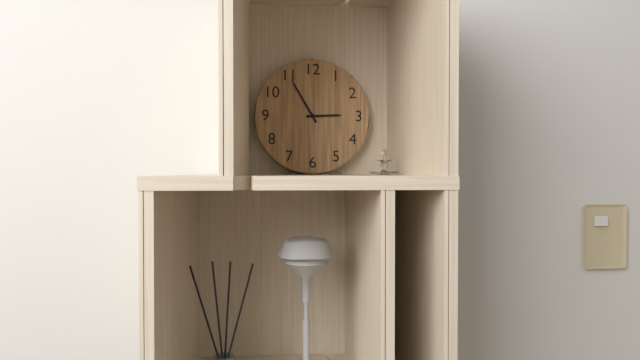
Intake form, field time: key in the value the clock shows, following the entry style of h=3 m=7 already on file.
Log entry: h=2 m=55
